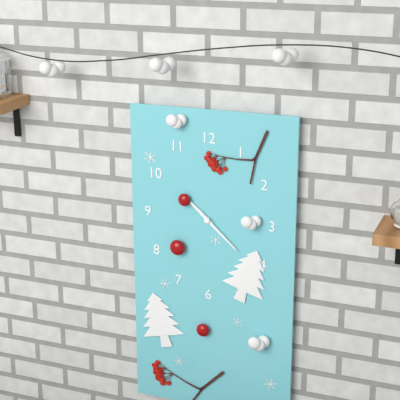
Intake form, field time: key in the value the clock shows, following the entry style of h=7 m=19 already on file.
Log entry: h=10 m=22
